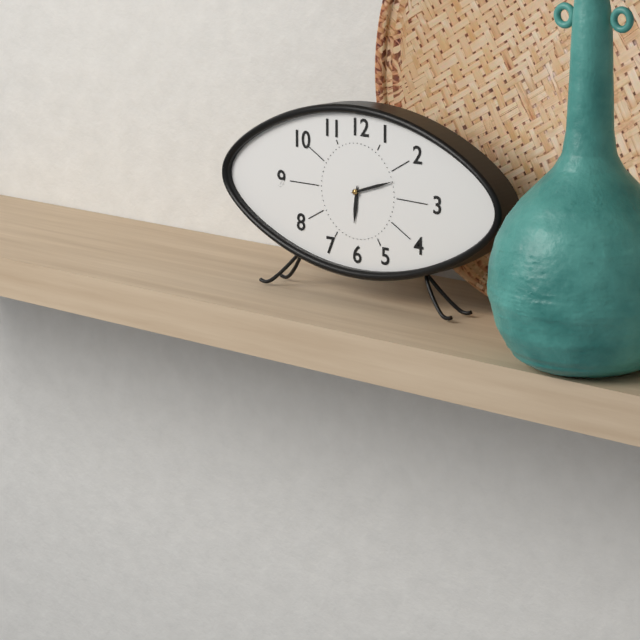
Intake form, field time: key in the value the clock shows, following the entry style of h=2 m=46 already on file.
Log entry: h=6 m=12
